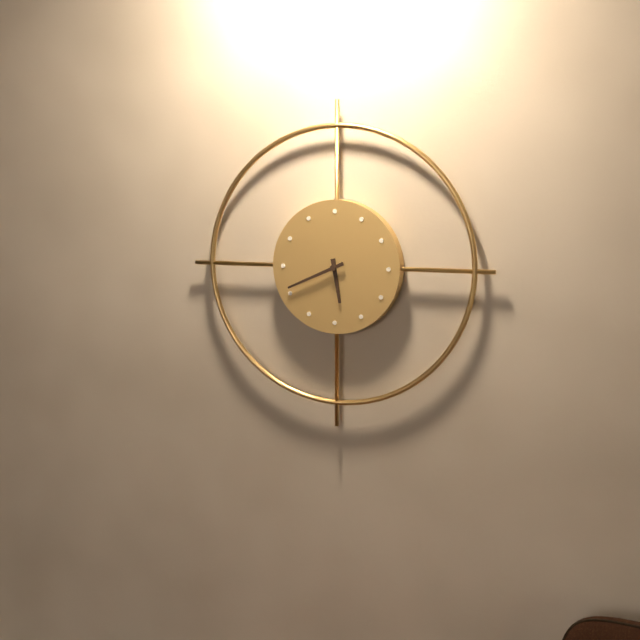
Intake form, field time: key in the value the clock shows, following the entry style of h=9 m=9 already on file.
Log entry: h=5 m=41
